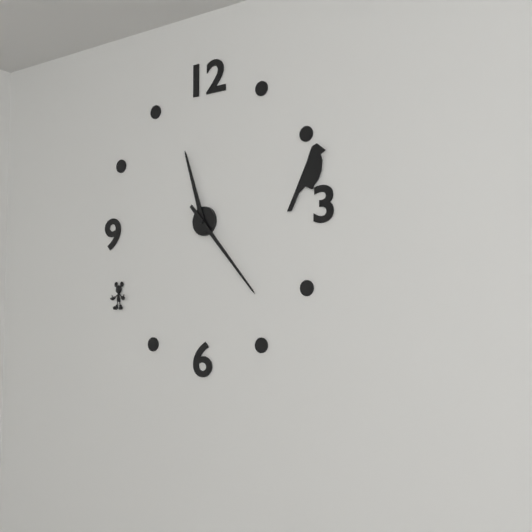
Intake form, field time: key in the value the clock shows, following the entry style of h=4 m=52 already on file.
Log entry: h=11 m=23
